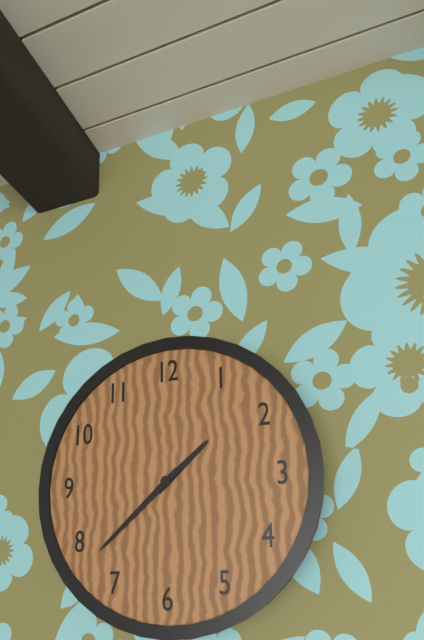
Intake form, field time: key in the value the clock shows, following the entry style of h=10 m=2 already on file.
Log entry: h=1 m=38
